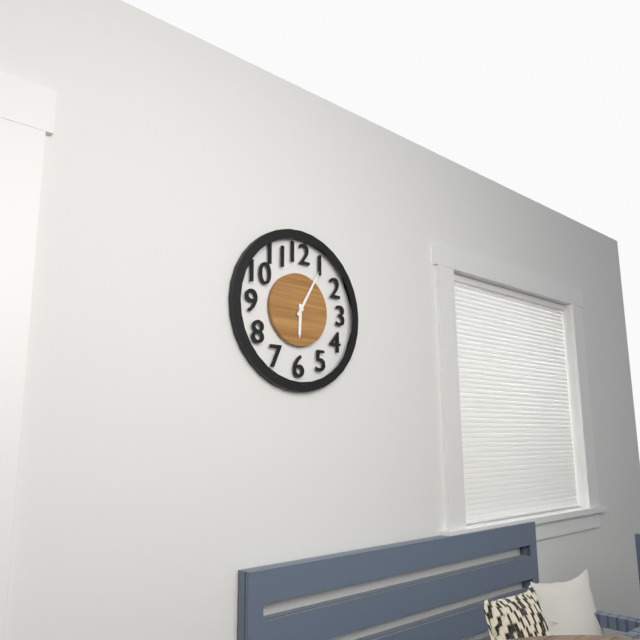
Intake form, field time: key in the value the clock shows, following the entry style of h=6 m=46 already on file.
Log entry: h=6 m=5
